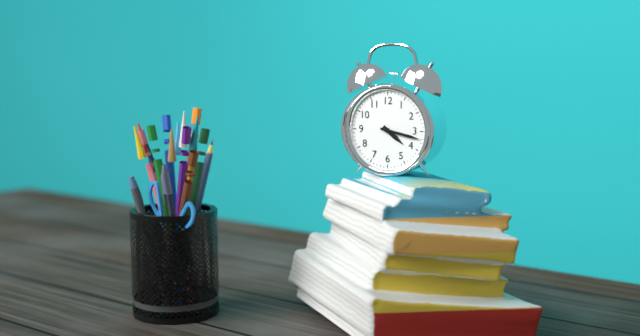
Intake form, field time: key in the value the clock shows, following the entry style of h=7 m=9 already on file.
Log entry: h=4 m=17
